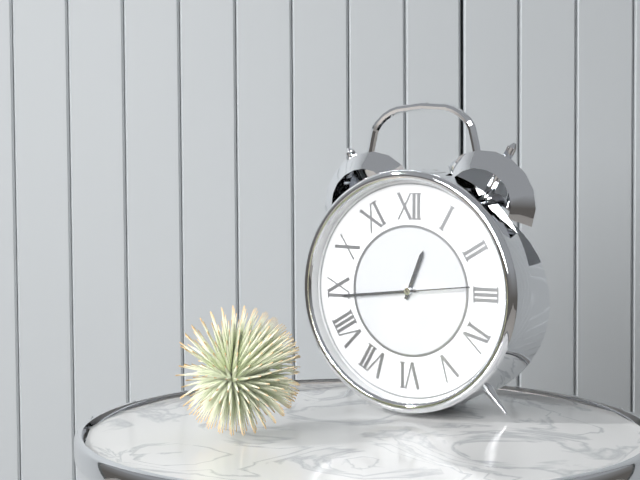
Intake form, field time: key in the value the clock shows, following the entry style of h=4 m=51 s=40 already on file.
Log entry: h=12 m=44 s=14
